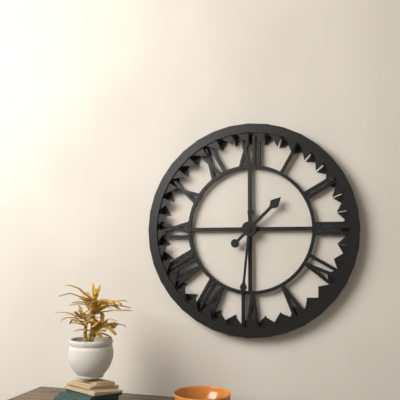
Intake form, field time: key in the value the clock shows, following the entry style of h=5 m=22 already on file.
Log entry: h=1 m=31
